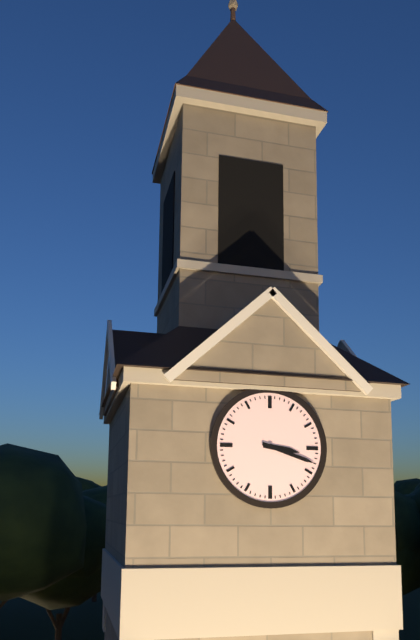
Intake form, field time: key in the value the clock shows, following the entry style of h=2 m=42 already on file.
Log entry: h=3 m=18
